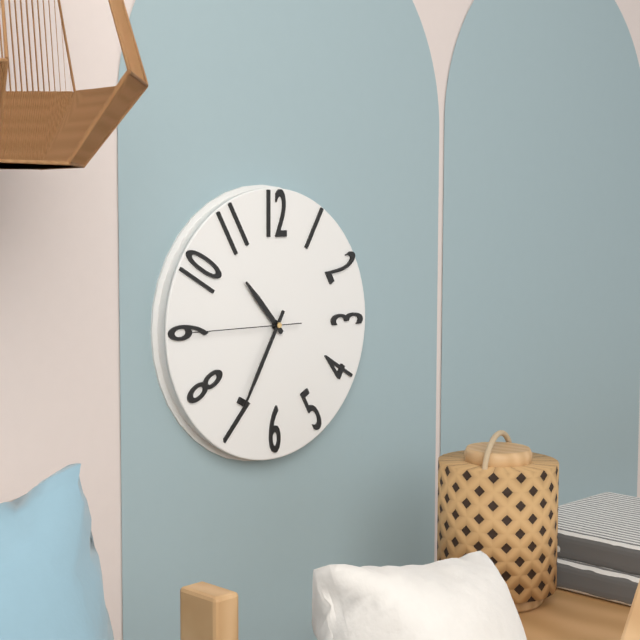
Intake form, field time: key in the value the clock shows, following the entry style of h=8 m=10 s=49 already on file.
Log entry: h=10 m=35 s=45
